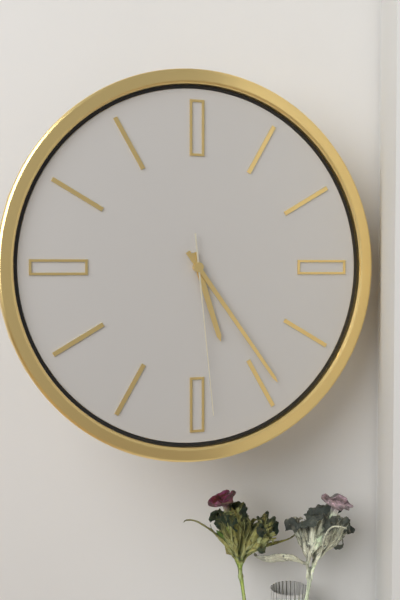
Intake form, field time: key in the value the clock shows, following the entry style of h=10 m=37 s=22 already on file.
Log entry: h=5 m=24 s=29
